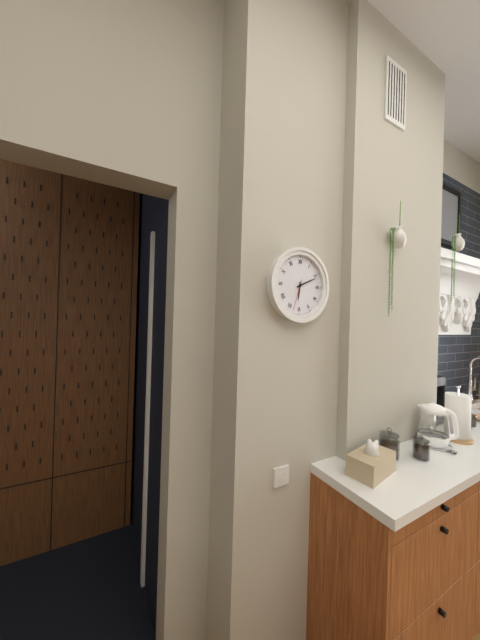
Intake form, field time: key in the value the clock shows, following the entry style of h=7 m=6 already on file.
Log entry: h=6 m=11
